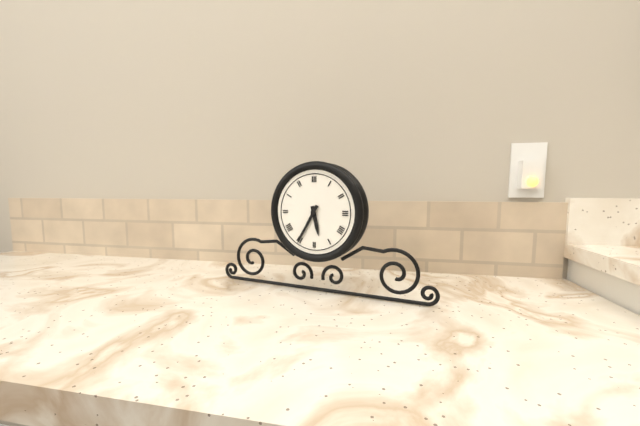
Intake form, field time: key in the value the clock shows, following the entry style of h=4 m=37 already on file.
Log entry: h=5 m=35
